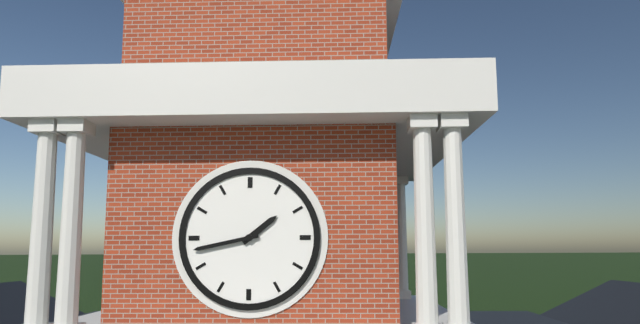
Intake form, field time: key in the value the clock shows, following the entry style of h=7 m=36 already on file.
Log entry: h=1 m=43
